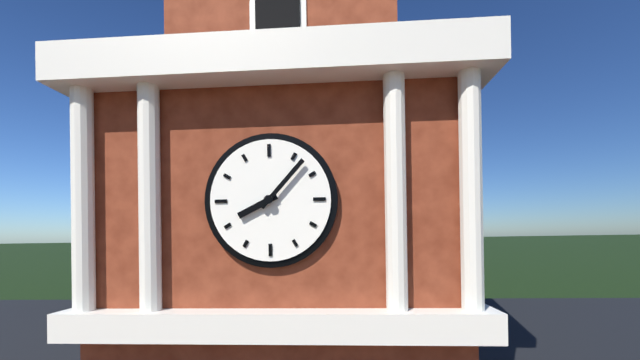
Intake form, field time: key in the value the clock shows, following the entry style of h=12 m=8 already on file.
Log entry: h=8 m=7
